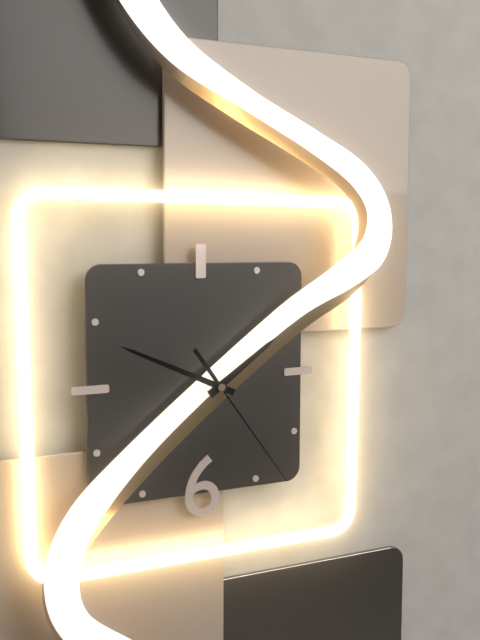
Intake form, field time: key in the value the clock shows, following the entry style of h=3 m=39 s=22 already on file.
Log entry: h=1 m=49 s=24
